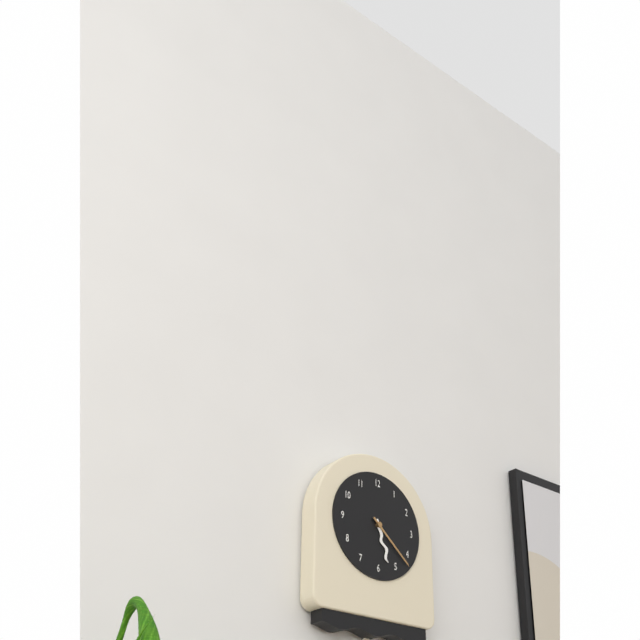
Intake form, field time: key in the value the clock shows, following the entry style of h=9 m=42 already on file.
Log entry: h=5 m=22
